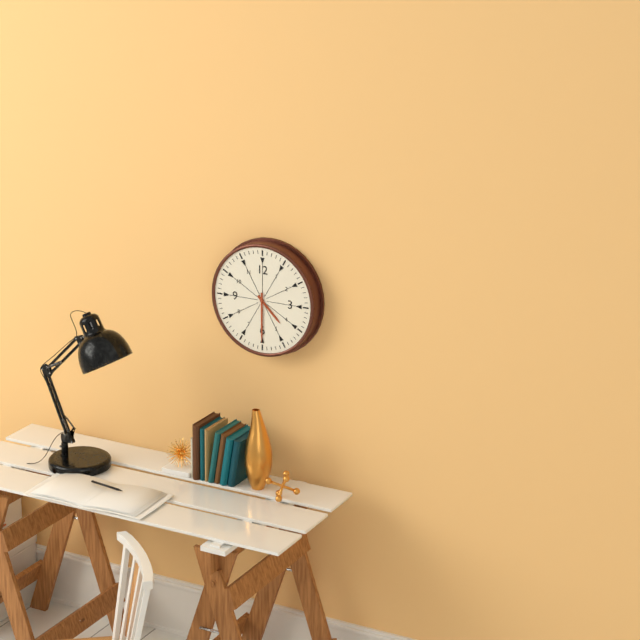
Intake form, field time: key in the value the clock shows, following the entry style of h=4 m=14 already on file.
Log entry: h=4 m=30
